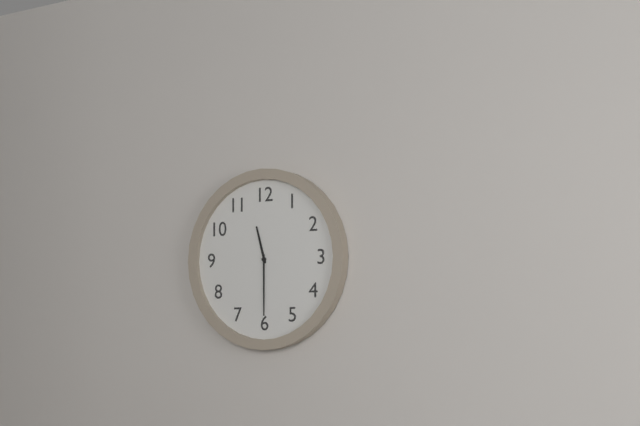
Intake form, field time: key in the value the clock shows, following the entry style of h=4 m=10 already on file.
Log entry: h=11 m=30
